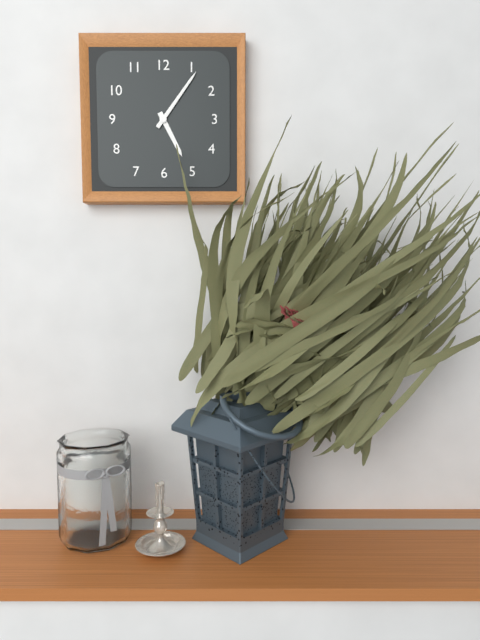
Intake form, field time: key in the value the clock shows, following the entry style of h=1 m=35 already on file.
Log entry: h=5 m=6
